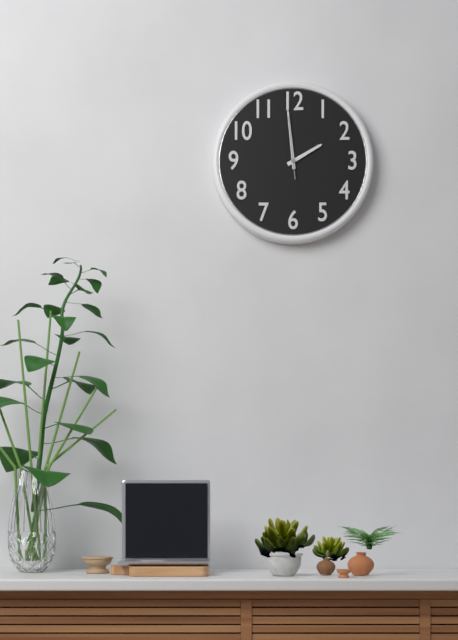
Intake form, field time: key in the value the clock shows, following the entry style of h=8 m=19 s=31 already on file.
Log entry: h=1 m=59 s=59
